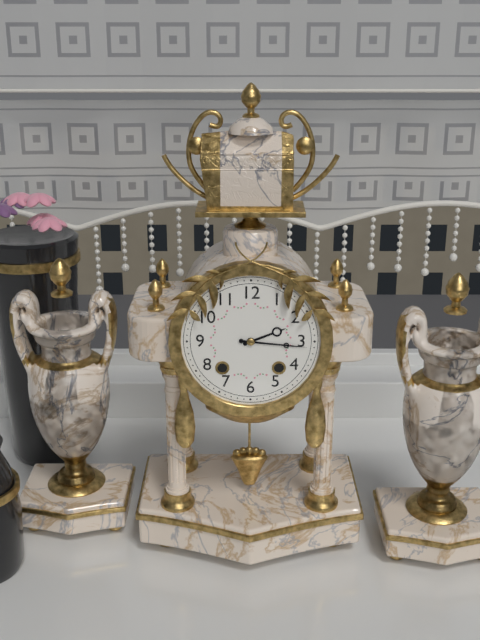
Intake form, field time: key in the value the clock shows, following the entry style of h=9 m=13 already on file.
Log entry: h=2 m=16
